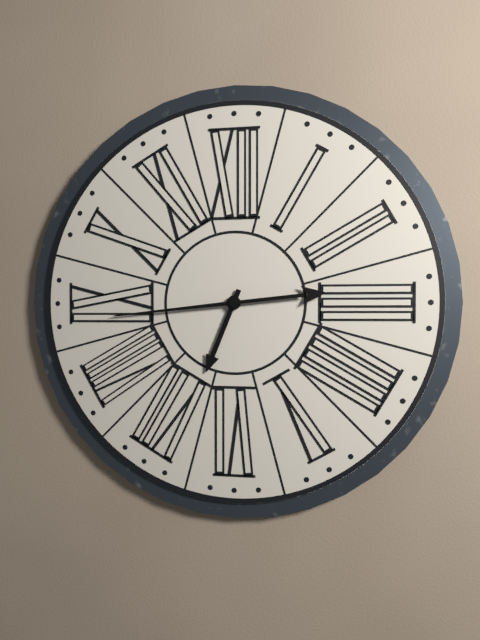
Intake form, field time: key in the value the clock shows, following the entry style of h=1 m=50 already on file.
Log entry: h=6 m=44
